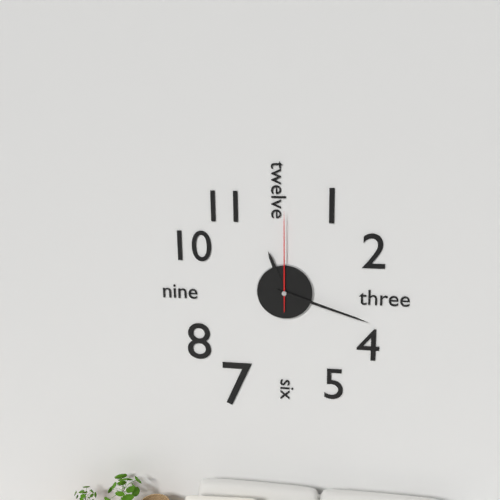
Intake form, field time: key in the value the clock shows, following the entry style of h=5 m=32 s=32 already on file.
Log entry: h=11 m=18 s=0
